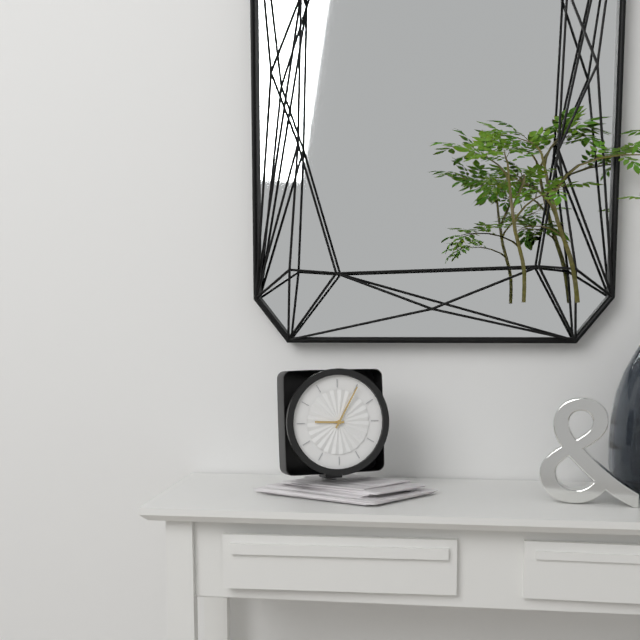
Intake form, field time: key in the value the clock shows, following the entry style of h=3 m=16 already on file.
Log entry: h=9 m=5
